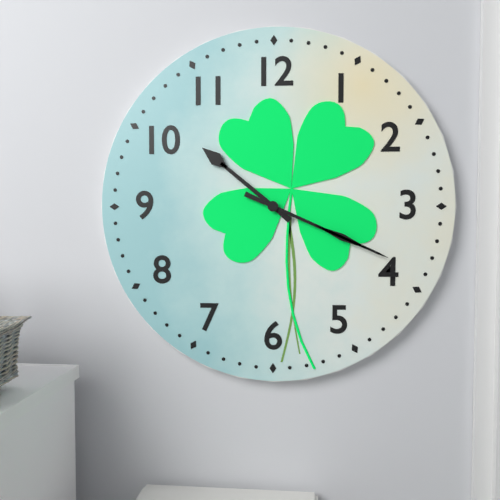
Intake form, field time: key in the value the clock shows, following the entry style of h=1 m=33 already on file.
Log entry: h=10 m=19
